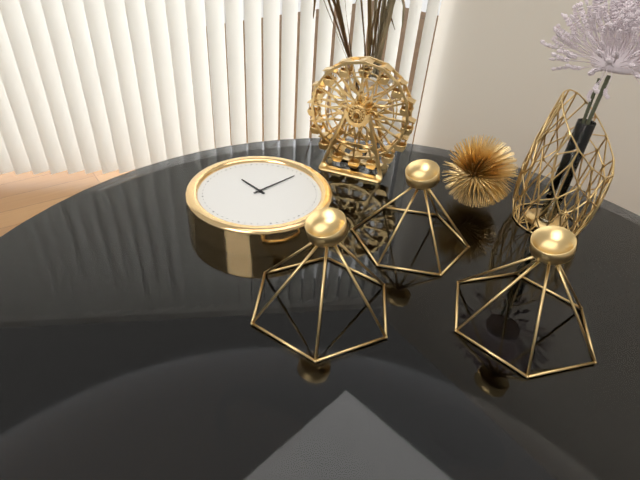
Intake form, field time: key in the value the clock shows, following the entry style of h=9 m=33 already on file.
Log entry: h=9 m=0
